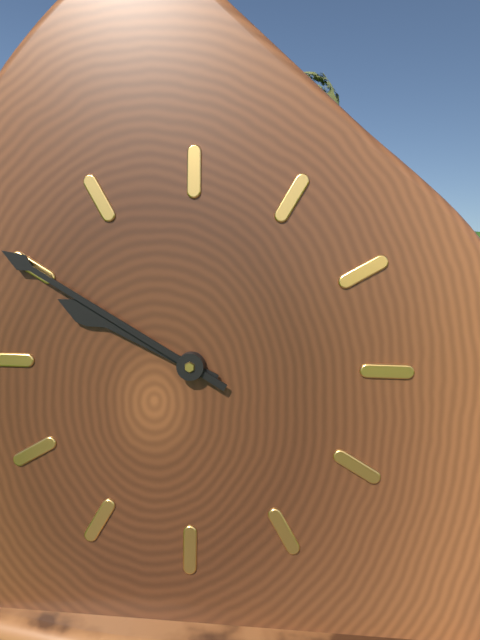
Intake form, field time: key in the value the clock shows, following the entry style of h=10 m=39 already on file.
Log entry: h=9 m=50
